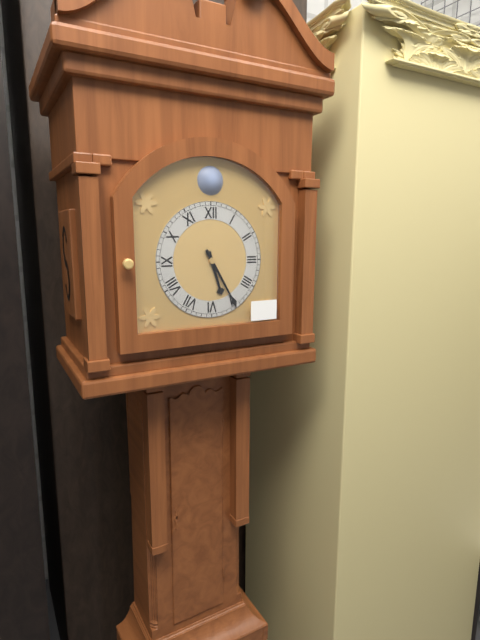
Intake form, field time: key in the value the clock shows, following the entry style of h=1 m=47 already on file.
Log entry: h=5 m=25
